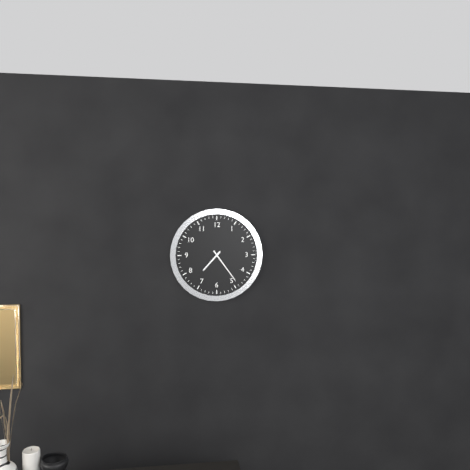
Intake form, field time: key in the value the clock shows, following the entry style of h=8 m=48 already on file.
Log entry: h=7 m=24
